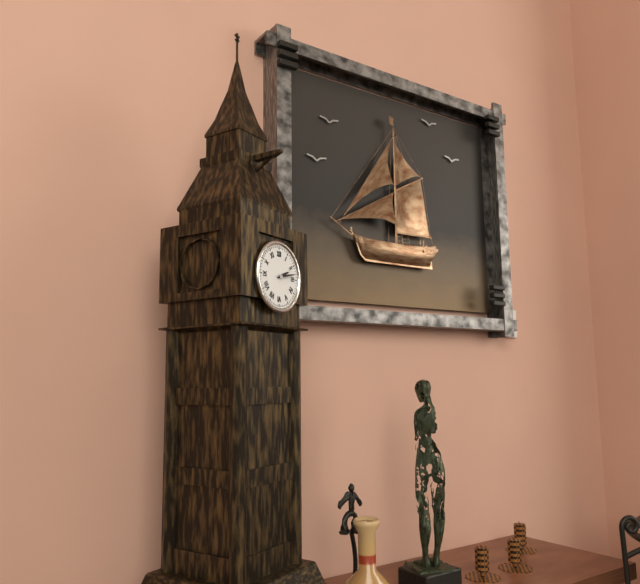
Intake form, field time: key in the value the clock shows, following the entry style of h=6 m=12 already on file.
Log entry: h=2 m=13
